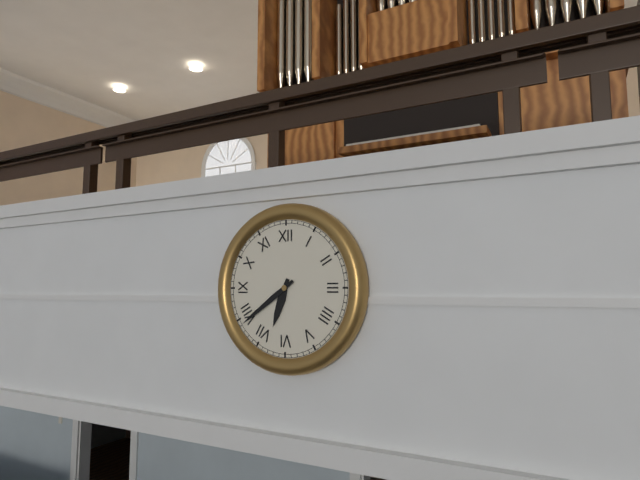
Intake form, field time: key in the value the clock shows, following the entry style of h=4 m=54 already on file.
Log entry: h=6 m=39
